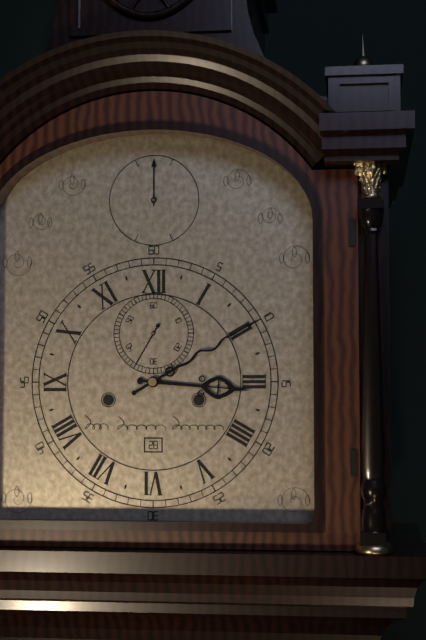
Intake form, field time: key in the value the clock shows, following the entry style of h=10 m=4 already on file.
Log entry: h=3 m=10
